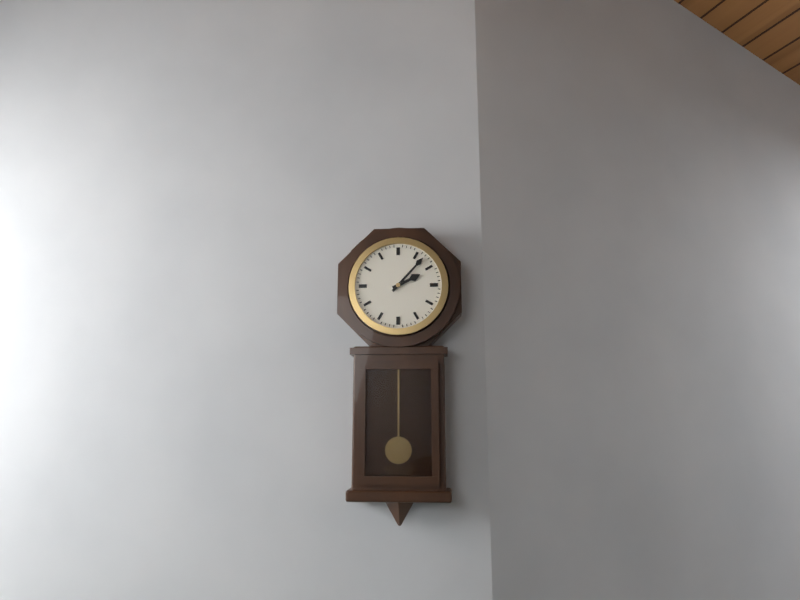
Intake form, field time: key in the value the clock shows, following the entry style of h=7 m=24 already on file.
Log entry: h=2 m=7
